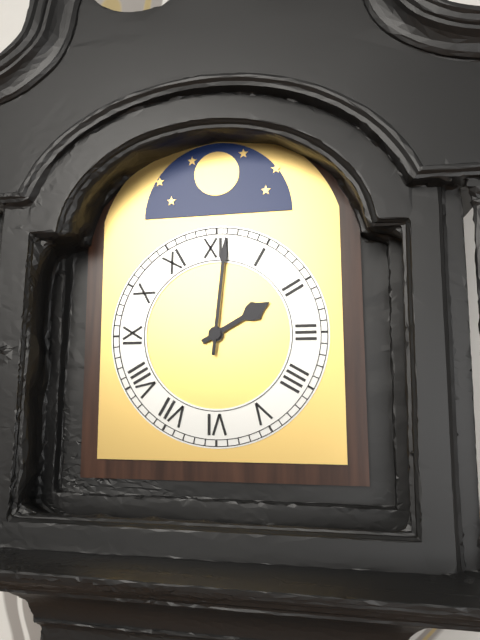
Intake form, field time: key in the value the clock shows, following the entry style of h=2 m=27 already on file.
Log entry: h=2 m=1
